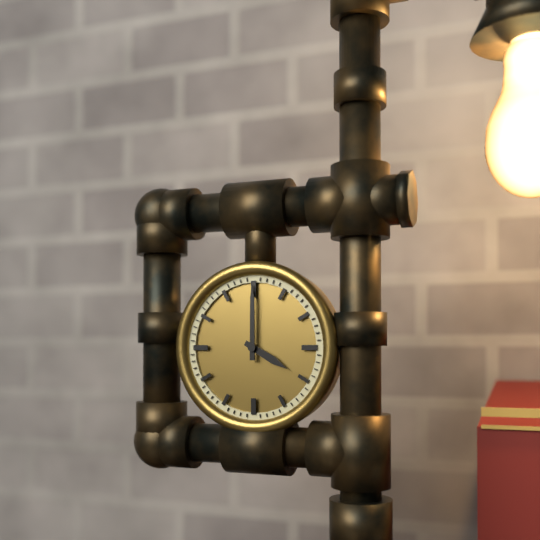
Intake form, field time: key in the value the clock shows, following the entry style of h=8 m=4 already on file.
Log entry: h=4 m=0
